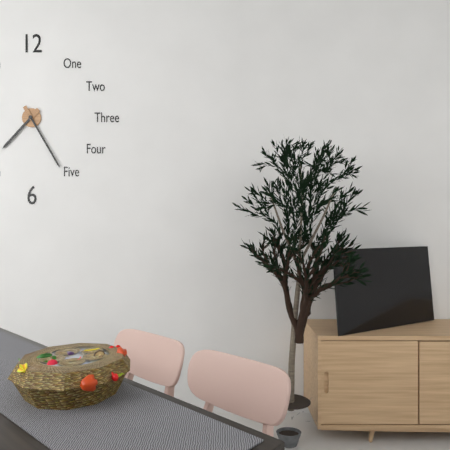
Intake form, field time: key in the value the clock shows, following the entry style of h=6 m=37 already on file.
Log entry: h=7 m=25
